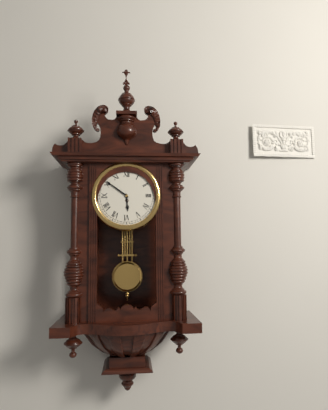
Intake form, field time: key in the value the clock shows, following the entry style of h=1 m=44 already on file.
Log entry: h=5 m=51
